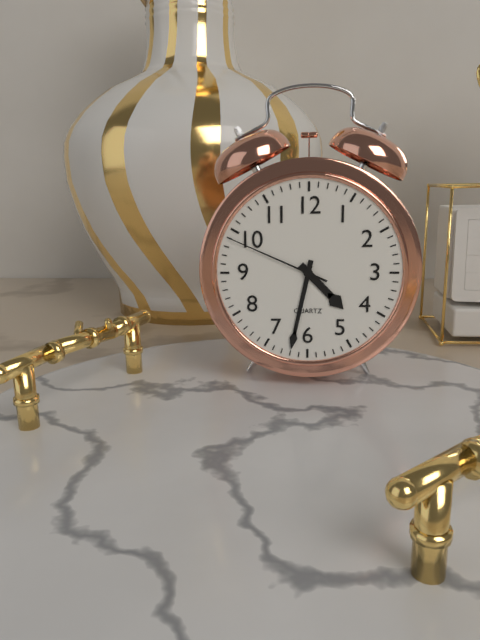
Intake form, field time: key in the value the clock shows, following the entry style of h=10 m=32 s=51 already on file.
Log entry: h=4 m=32 s=49
